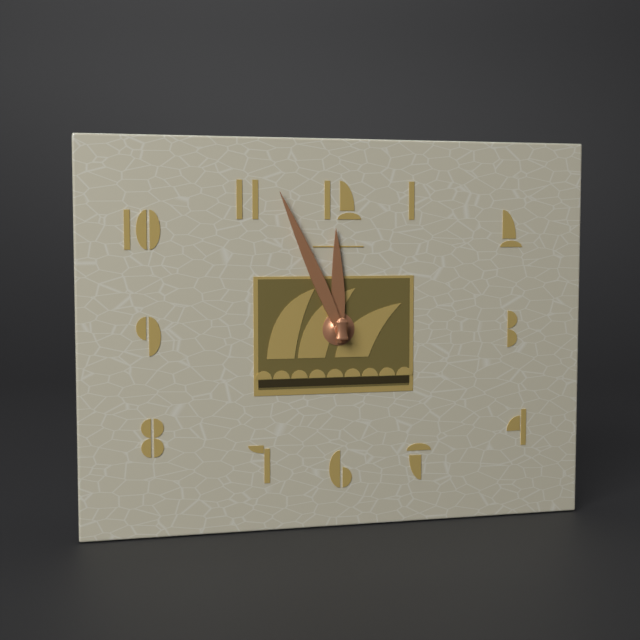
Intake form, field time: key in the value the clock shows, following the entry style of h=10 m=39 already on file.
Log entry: h=11 m=56
